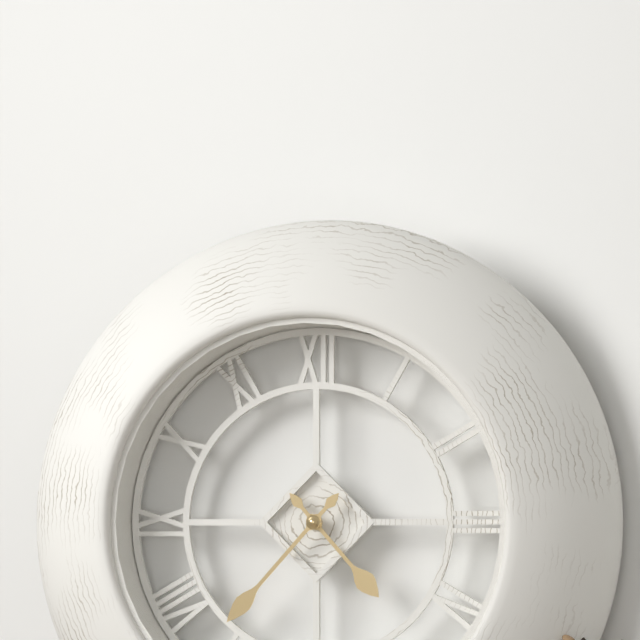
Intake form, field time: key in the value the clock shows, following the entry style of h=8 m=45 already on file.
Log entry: h=4 m=37
